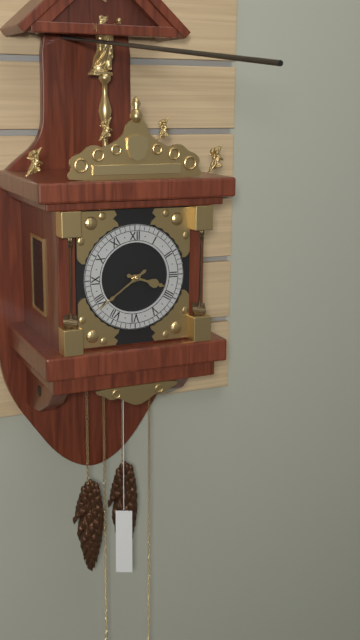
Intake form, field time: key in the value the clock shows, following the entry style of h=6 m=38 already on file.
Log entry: h=3 m=39
